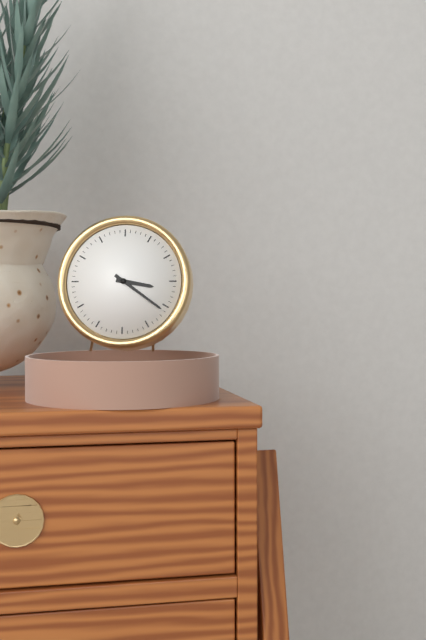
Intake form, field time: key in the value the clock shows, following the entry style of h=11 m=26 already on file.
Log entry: h=3 m=21
